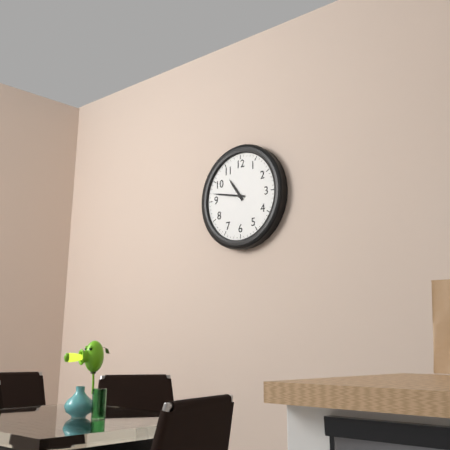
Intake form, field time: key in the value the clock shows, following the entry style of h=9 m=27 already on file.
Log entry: h=10 m=47
